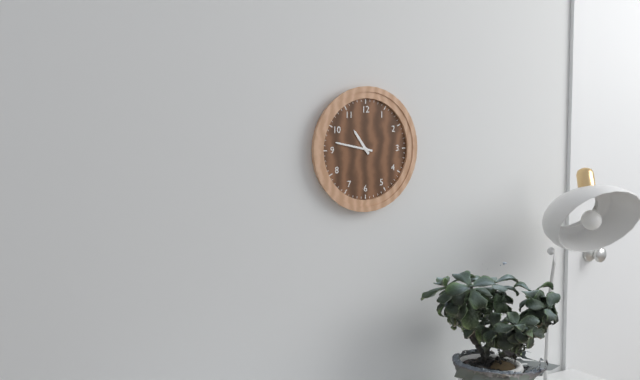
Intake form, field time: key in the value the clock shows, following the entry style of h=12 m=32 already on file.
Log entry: h=10 m=47
